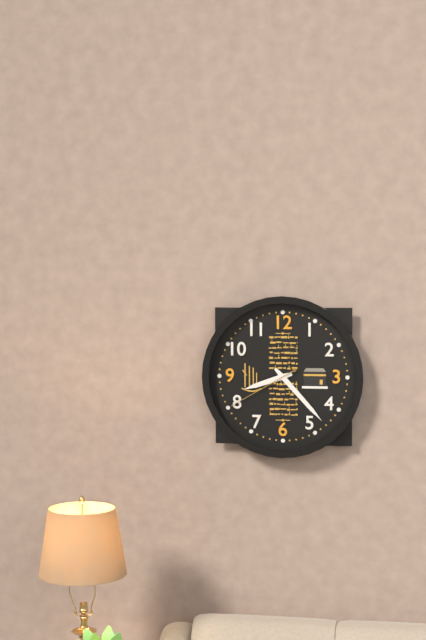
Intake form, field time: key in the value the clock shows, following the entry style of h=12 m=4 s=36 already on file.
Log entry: h=8 m=23 s=40
